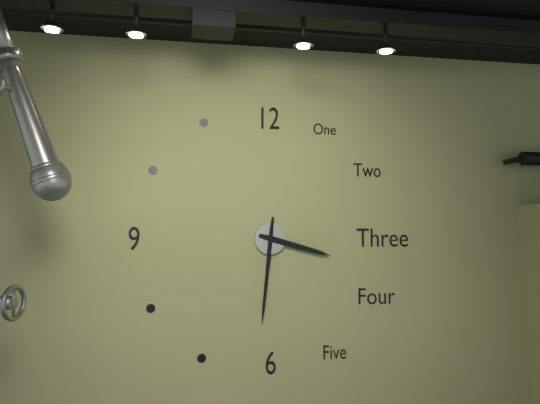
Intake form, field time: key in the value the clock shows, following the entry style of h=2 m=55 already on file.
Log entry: h=3 m=31
